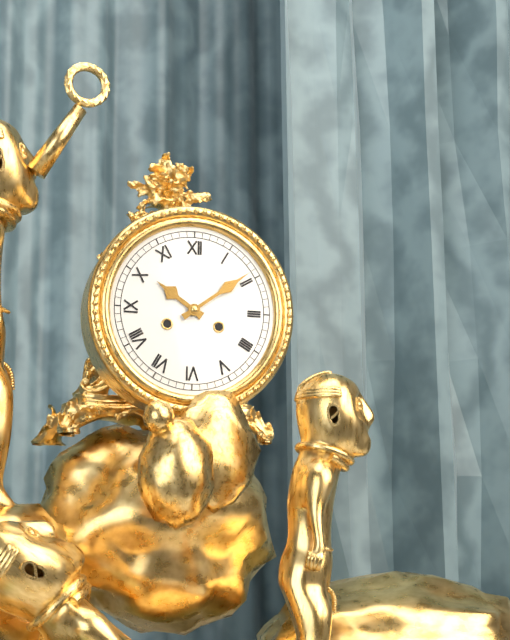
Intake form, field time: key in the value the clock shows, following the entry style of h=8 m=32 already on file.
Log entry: h=10 m=9
